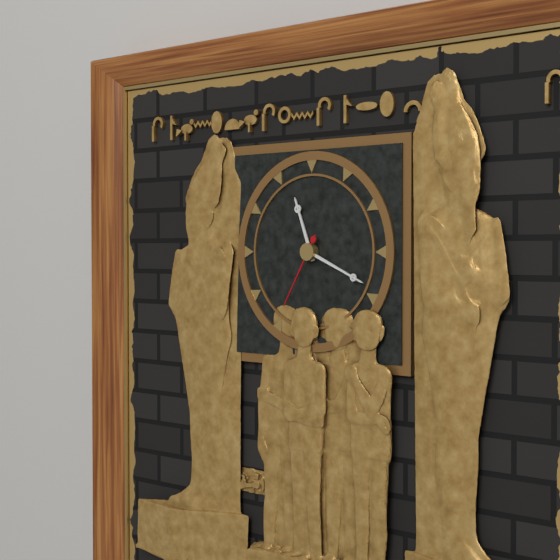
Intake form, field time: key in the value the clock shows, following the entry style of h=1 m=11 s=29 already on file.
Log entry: h=11 m=19 s=35
